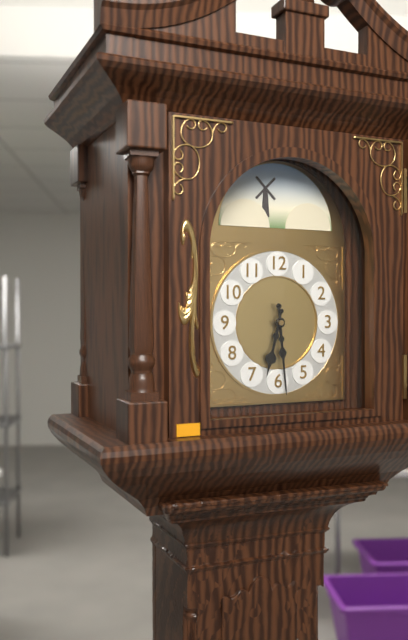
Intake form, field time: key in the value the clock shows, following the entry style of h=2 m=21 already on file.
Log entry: h=6 m=29
